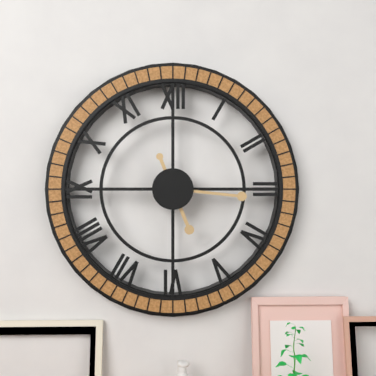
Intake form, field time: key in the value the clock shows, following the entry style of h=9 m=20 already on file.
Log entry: h=5 m=16
